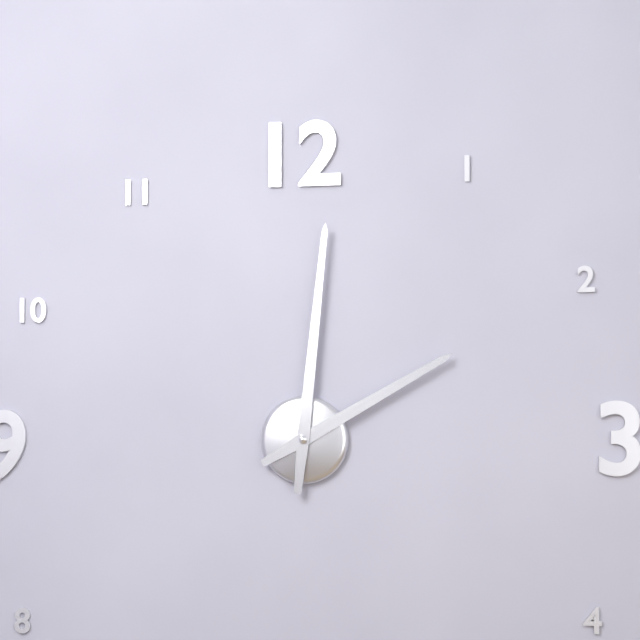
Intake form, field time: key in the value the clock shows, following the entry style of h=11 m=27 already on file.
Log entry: h=2 m=1
